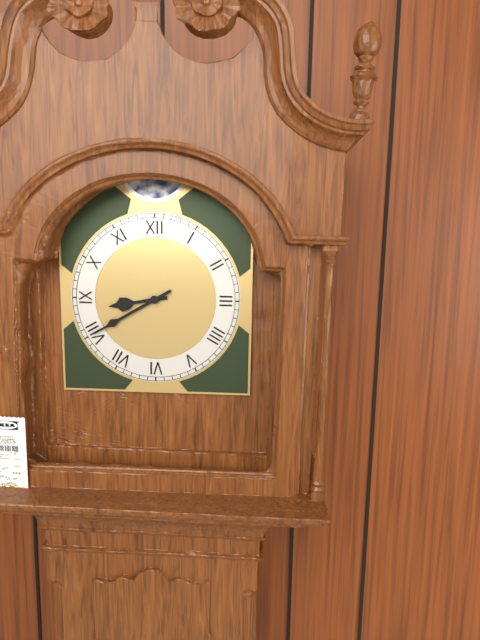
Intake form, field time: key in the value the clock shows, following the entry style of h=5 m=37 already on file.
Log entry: h=8 m=40
